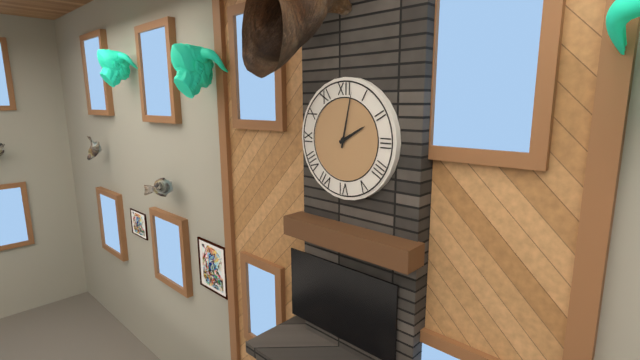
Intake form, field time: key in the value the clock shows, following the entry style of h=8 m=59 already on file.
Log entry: h=2 m=2
